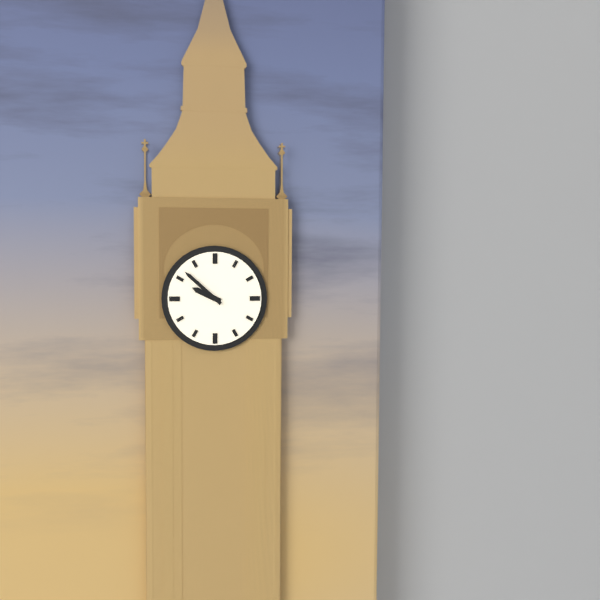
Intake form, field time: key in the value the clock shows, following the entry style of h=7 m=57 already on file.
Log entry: h=9 m=52
